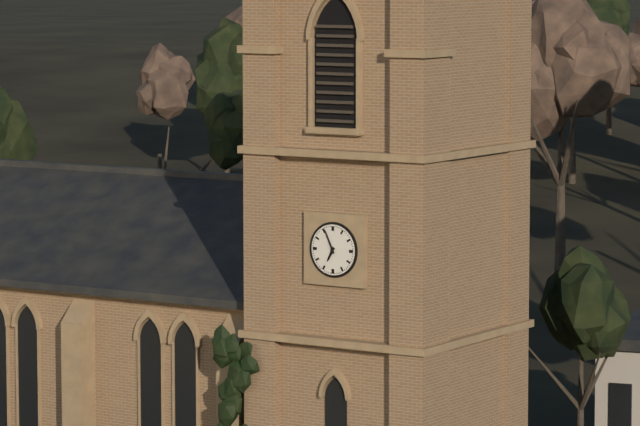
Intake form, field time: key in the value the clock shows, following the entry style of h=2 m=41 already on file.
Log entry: h=6 m=56
